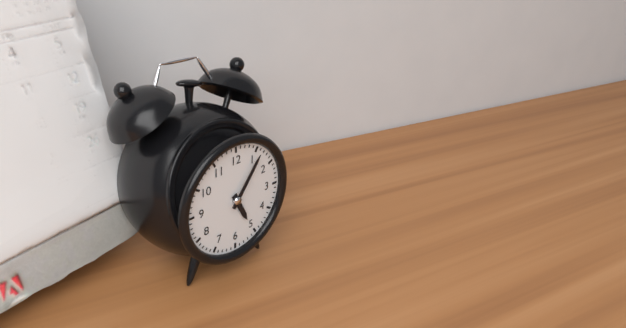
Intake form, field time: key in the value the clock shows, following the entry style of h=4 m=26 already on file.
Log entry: h=5 m=6
